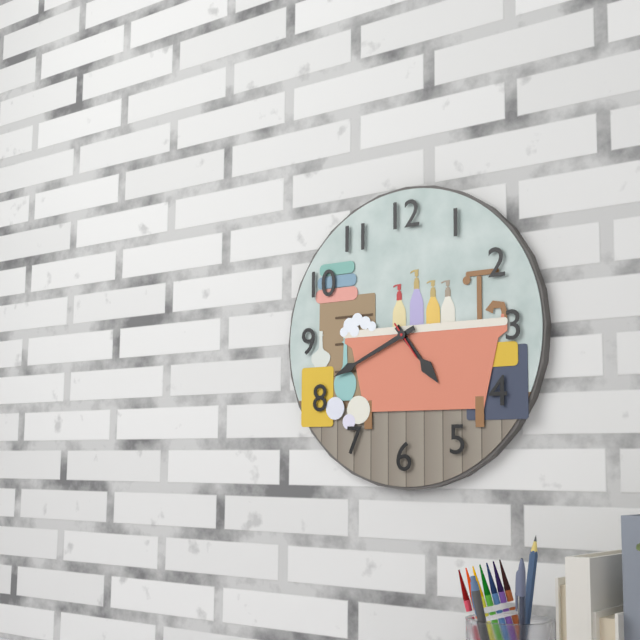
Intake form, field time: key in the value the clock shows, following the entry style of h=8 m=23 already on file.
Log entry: h=4 m=41
